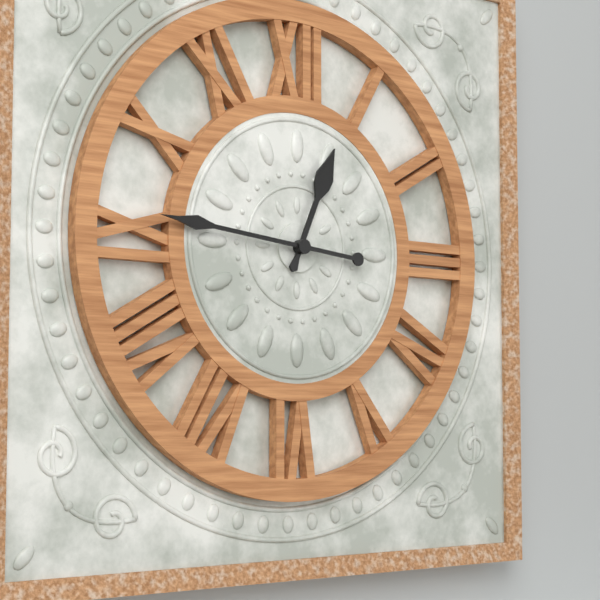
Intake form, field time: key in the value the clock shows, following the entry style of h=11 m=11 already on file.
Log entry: h=12 m=46
